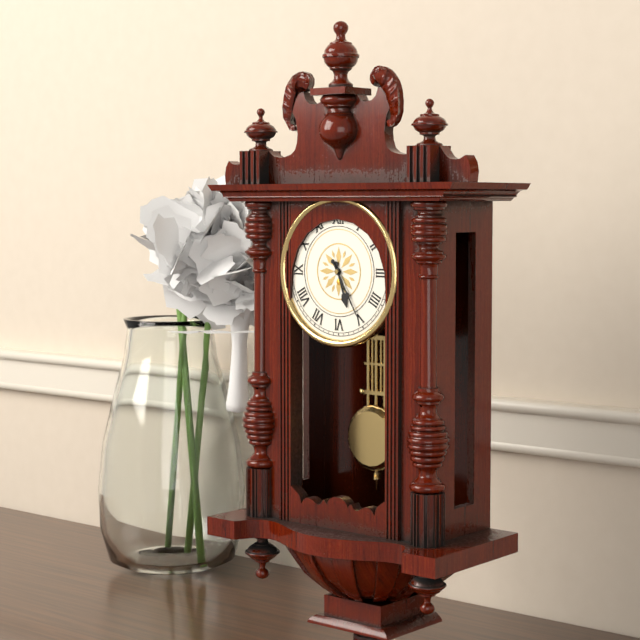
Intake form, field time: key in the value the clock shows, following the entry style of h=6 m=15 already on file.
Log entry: h=5 m=25
